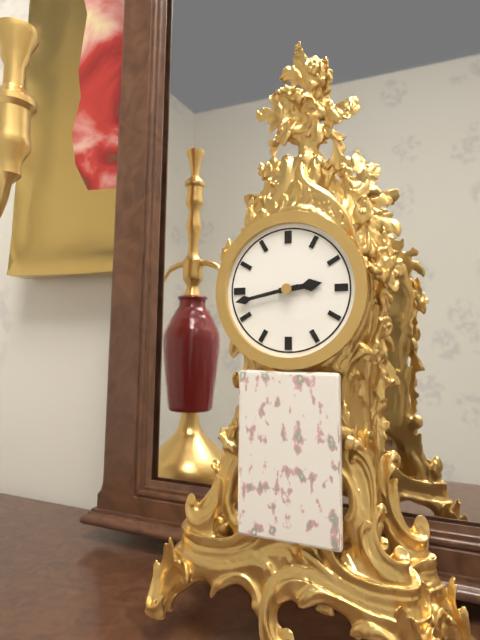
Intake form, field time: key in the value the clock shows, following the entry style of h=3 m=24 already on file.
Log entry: h=2 m=43
